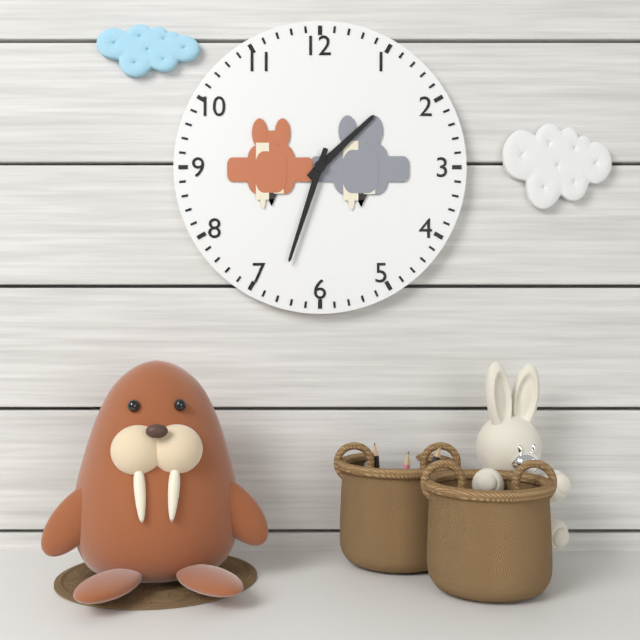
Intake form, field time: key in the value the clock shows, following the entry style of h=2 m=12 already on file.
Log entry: h=1 m=33
